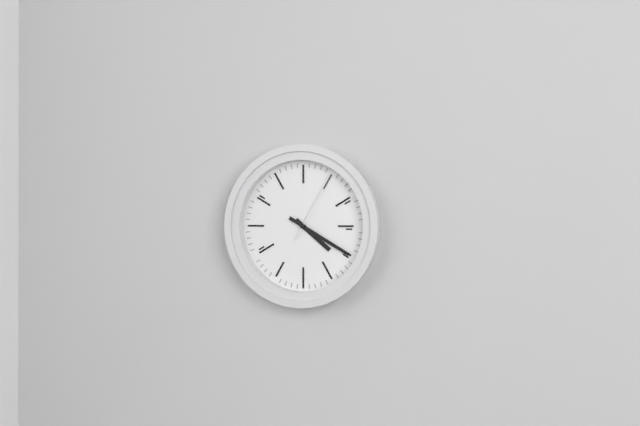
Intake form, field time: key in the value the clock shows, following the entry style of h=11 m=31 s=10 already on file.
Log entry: h=4 m=20 s=5
